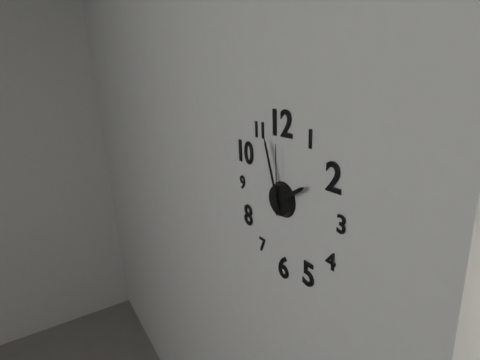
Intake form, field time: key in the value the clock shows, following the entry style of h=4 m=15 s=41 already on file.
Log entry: h=1 m=57 s=0
